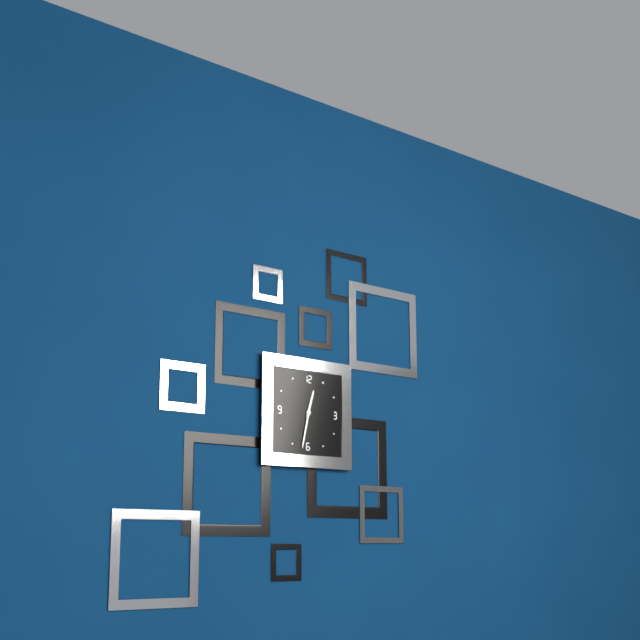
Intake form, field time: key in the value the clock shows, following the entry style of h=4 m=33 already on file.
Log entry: h=12 m=32
